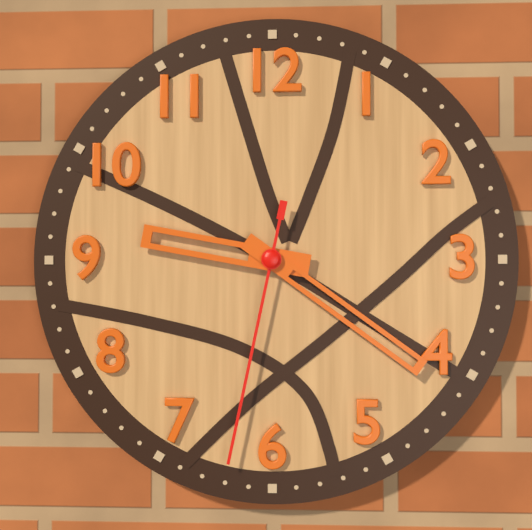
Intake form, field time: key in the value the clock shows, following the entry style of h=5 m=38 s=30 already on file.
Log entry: h=9 m=21 s=32
